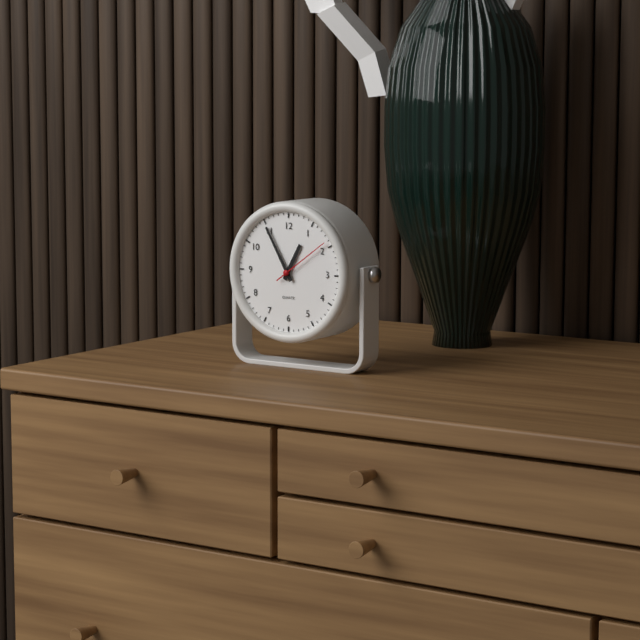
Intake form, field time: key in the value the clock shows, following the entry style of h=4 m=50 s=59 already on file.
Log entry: h=12 m=55 s=9
